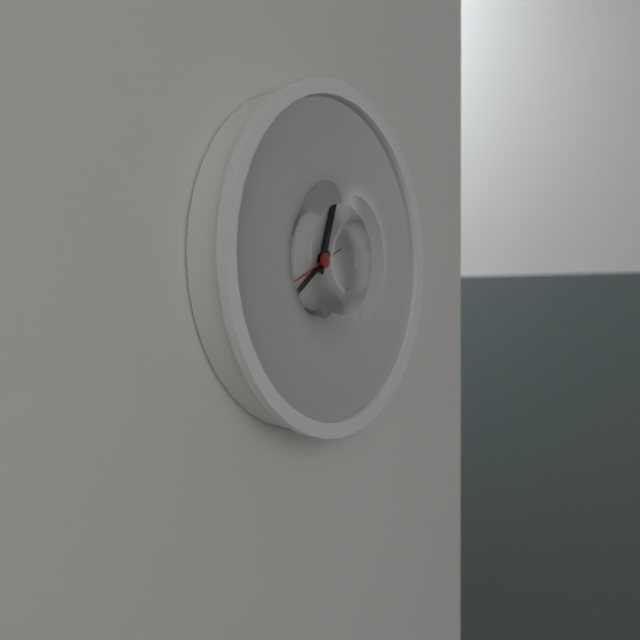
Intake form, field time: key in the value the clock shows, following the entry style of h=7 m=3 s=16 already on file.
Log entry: h=12 m=39 s=41
